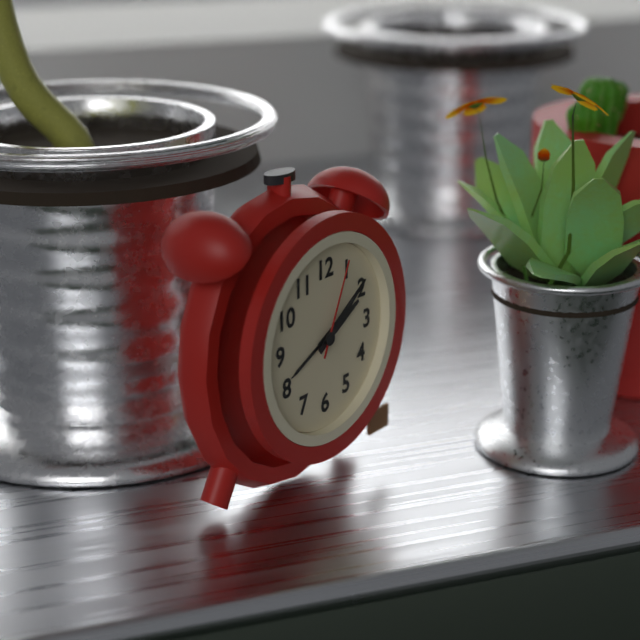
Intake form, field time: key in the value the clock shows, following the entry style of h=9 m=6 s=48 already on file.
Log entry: h=2 m=9 s=4
